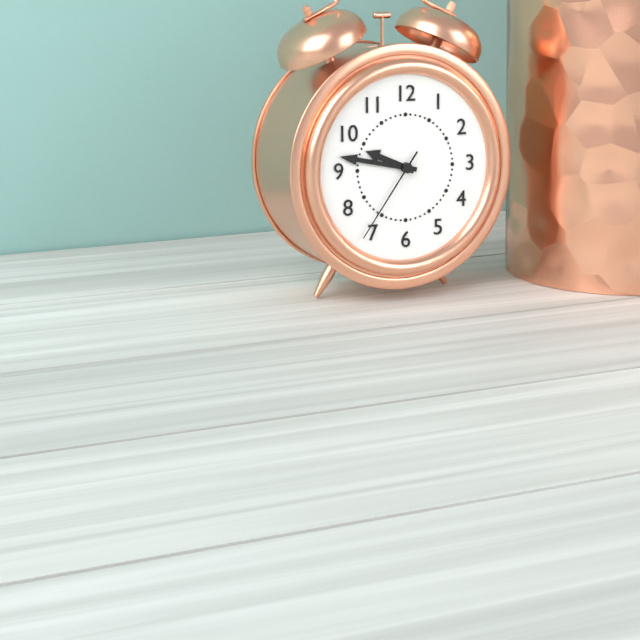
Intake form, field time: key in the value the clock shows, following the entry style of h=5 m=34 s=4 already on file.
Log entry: h=9 m=47 s=36
